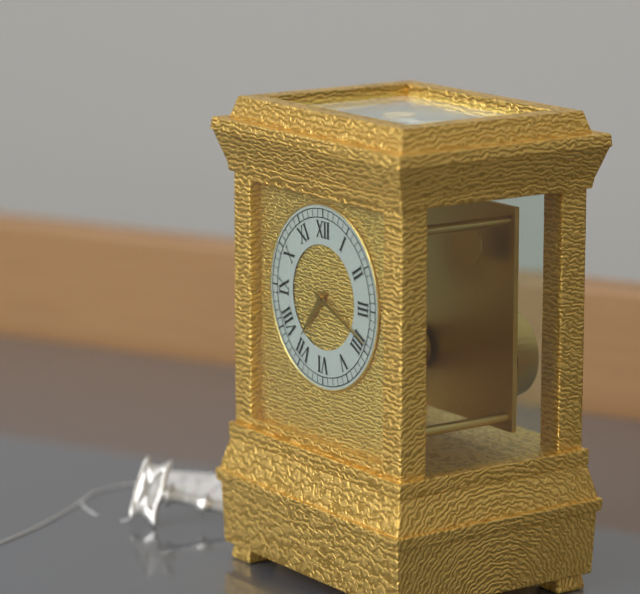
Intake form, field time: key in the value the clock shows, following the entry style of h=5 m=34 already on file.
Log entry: h=7 m=19
